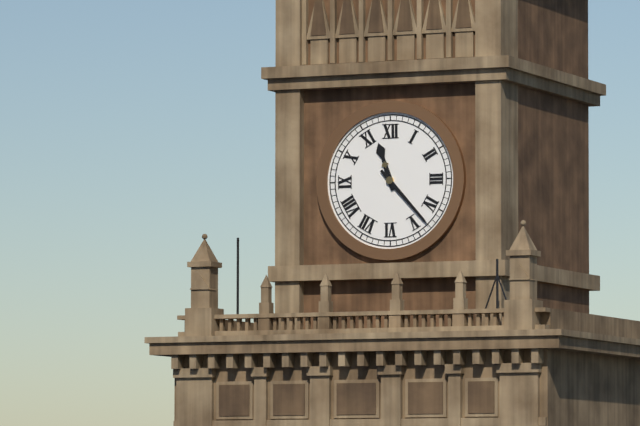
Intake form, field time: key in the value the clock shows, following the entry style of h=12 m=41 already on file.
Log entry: h=11 m=23
